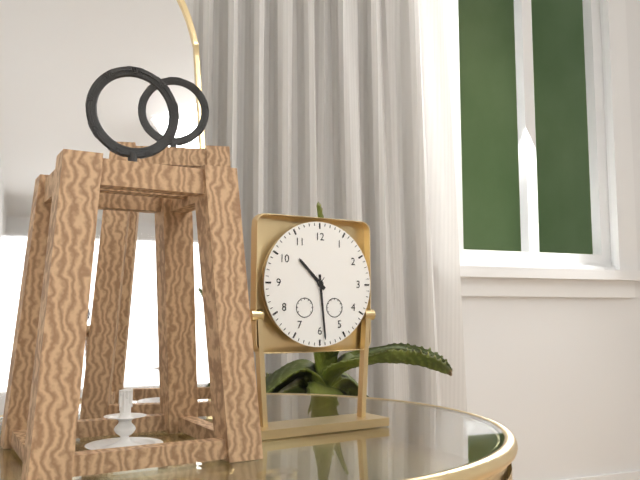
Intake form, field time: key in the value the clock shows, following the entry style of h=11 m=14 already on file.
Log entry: h=10 m=29
